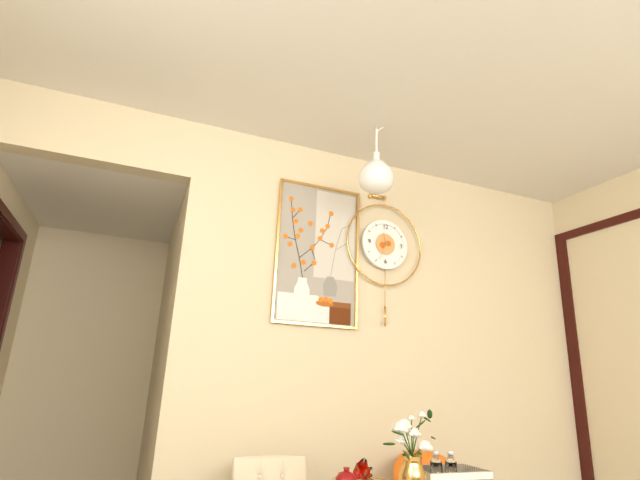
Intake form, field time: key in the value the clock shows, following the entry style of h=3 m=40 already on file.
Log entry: h=11 m=34
